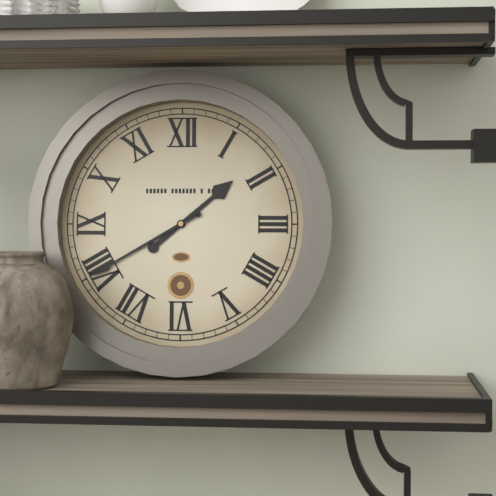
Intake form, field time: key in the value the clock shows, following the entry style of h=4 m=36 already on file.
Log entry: h=1 m=40
